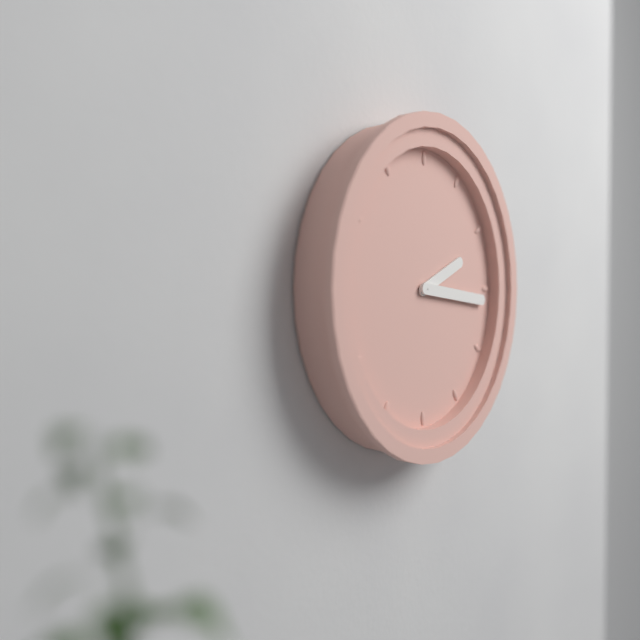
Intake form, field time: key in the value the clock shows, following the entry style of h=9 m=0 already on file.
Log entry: h=2 m=16
